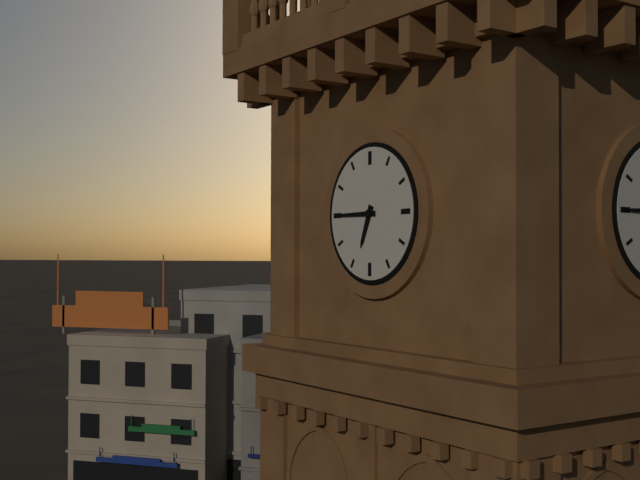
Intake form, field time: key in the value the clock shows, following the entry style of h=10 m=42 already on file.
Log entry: h=6 m=45
